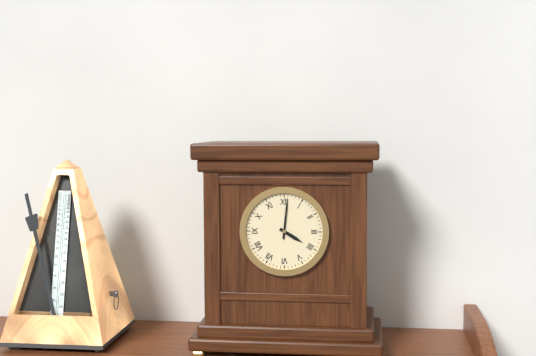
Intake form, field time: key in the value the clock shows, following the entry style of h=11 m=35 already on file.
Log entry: h=4 m=1
